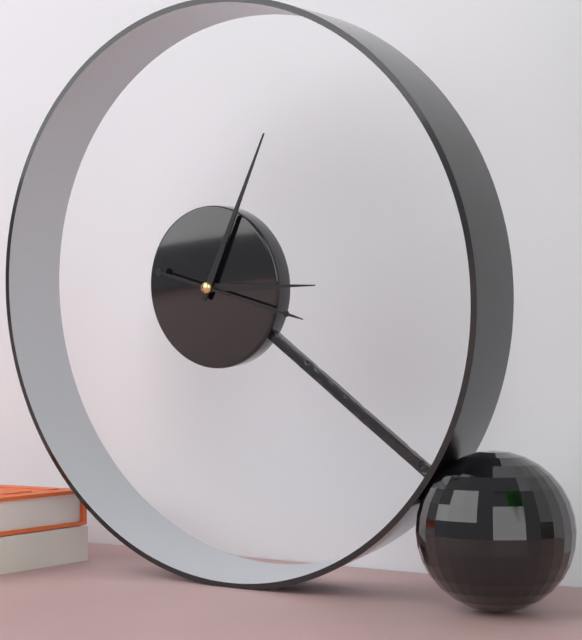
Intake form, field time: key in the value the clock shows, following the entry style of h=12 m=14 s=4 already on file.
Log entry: h=3 m=5 s=18
